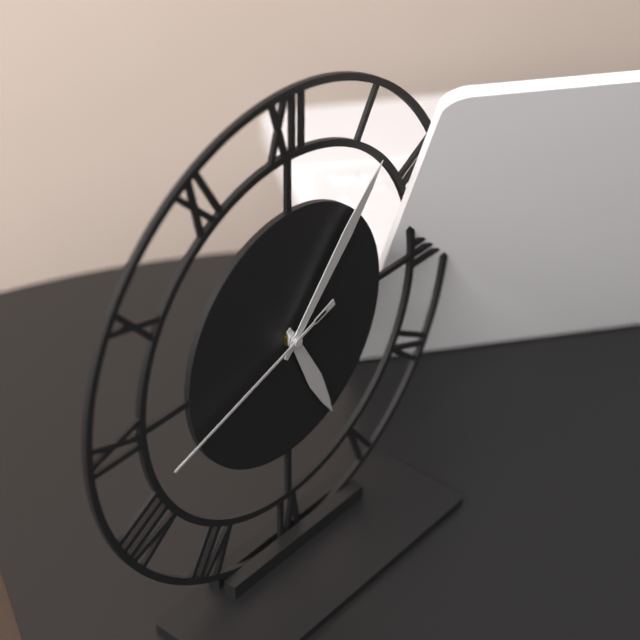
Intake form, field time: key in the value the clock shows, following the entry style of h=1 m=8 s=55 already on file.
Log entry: h=5 m=7 s=42
